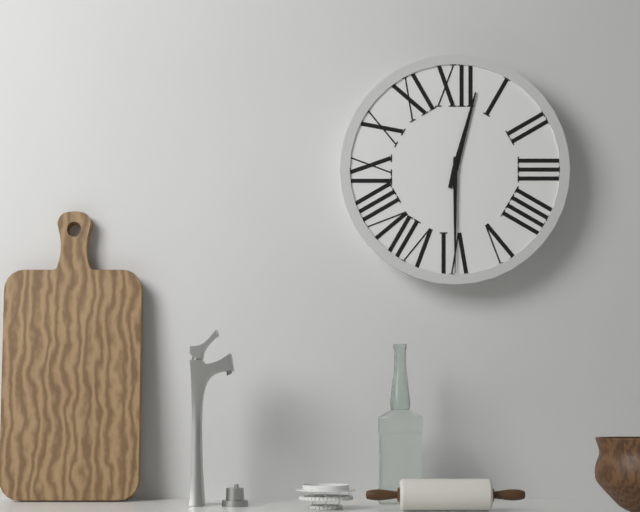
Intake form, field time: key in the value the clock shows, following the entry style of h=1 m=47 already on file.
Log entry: h=12 m=30
